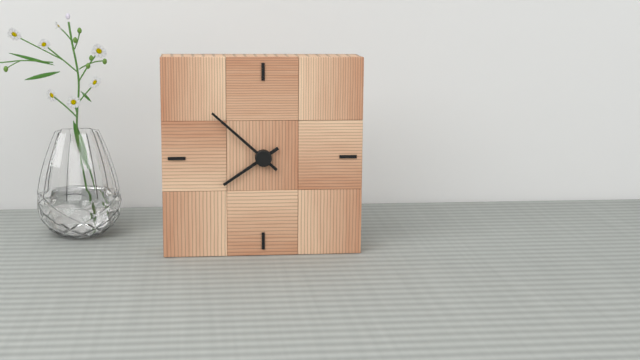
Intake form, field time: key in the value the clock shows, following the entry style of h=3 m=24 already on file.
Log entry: h=7 m=52
